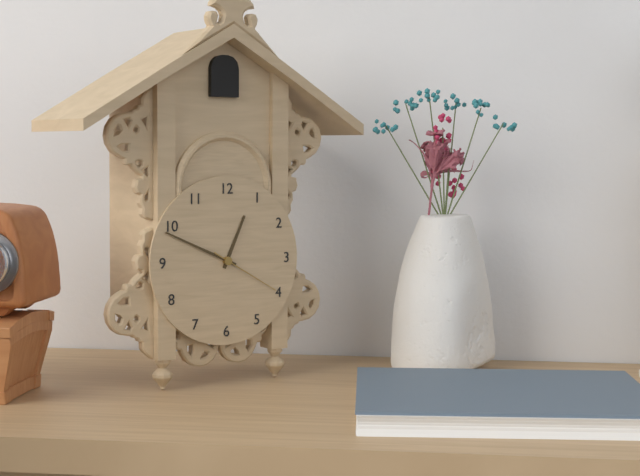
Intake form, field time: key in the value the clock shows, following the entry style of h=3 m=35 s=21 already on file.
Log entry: h=12 m=49 s=20
